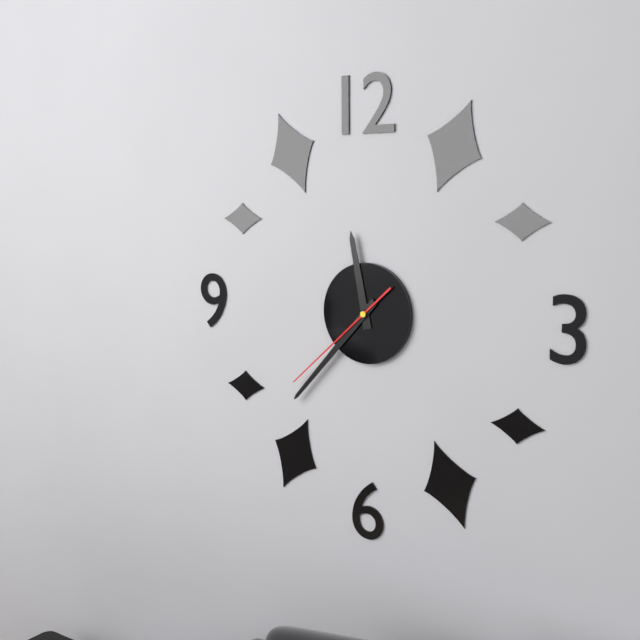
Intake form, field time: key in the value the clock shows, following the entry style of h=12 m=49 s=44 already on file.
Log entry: h=11 m=37 s=38
